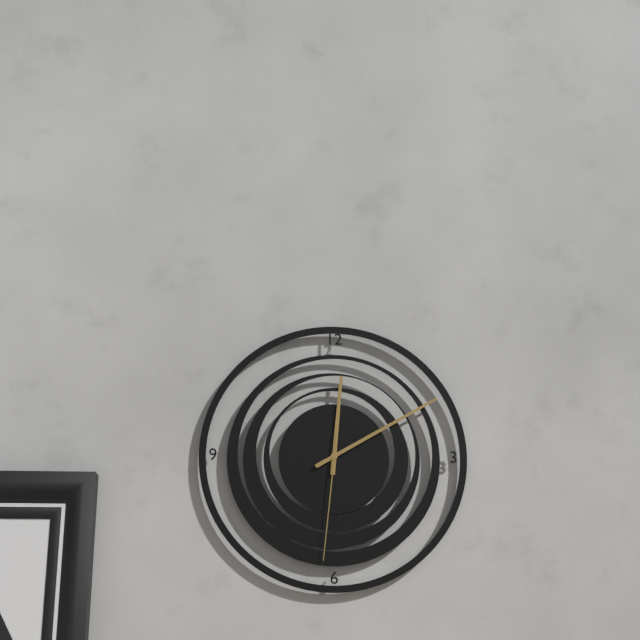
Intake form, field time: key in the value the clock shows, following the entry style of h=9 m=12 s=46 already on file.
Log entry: h=12 m=10 s=31
